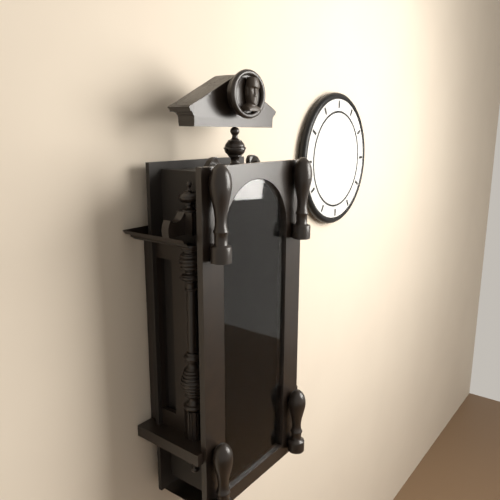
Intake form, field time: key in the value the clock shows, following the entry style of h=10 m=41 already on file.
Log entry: h=7 m=6
